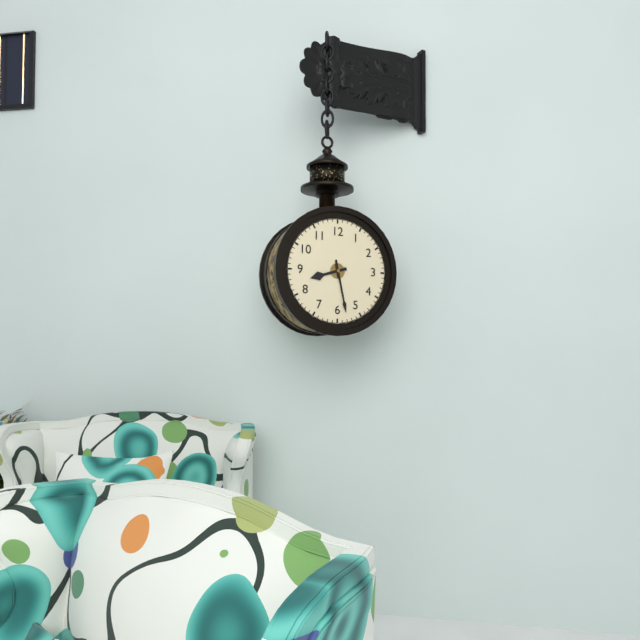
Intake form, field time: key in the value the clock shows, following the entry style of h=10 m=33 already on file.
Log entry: h=8 m=28
